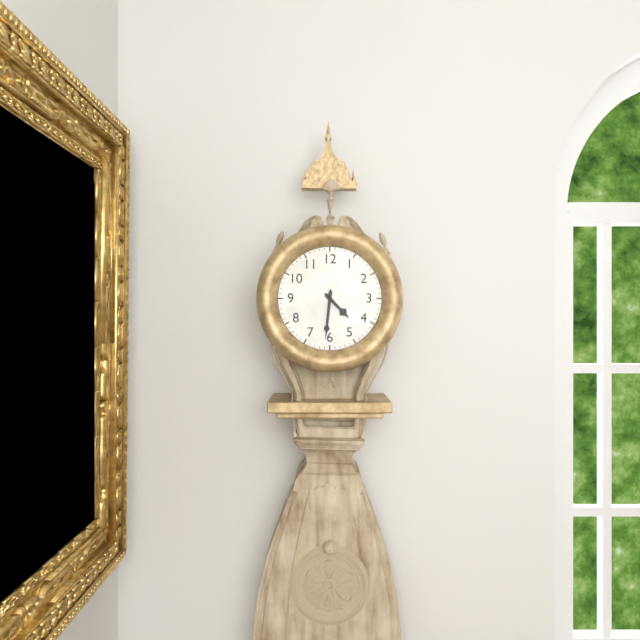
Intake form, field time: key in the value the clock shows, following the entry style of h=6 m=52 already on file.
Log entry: h=4 m=31
